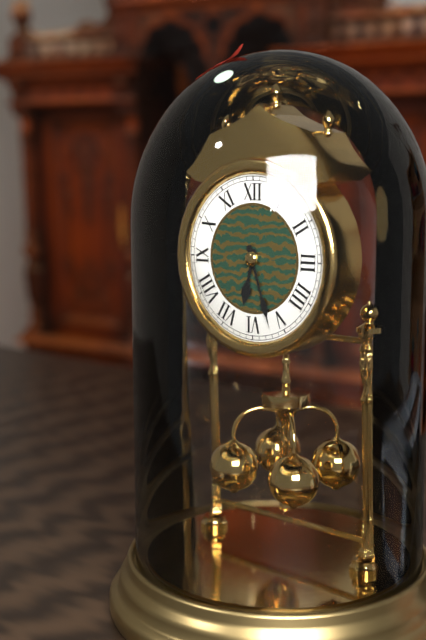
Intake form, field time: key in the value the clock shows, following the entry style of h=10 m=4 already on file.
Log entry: h=6 m=27
